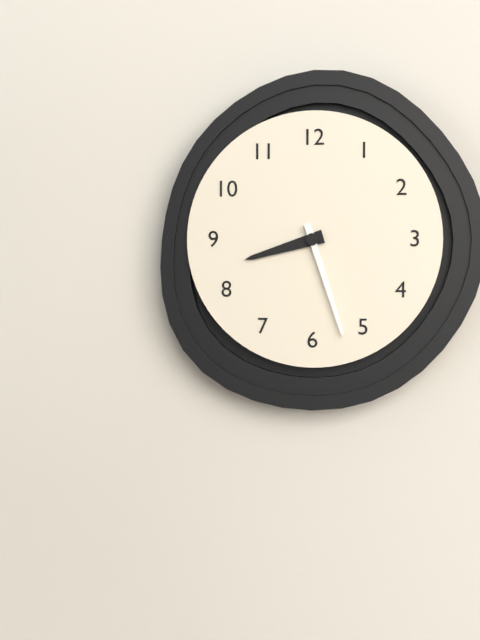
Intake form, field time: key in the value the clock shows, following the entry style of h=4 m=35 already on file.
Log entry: h=8 m=27
